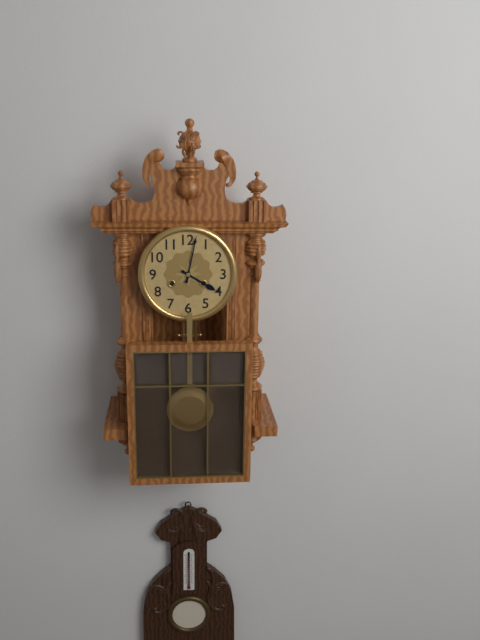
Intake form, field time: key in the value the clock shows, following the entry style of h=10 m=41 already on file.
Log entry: h=4 m=2
